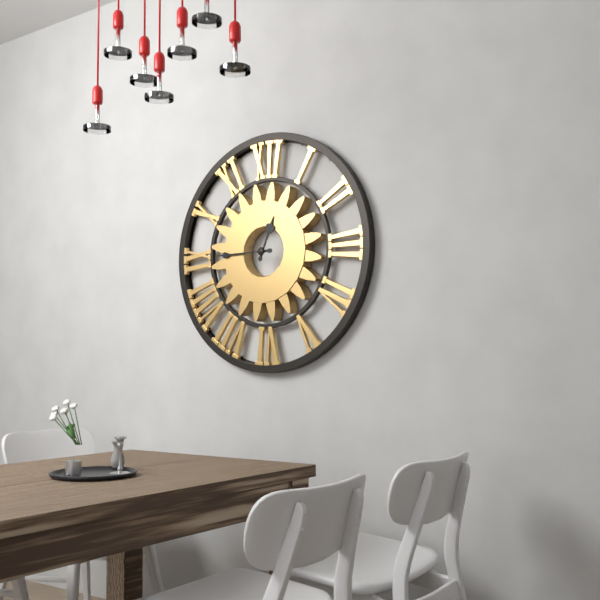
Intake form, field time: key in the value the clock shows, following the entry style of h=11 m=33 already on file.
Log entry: h=12 m=45
